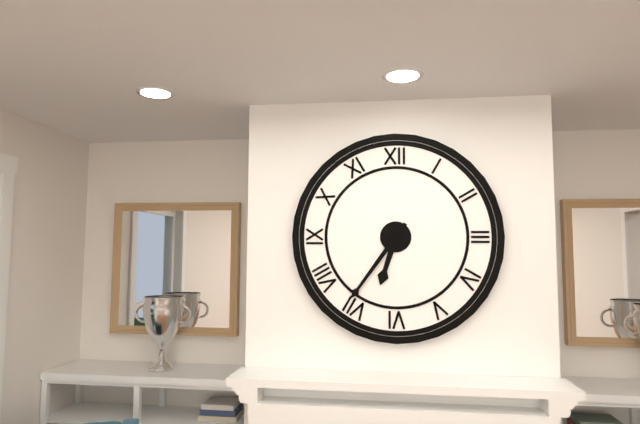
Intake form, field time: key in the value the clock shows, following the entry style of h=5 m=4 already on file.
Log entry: h=6 m=36
